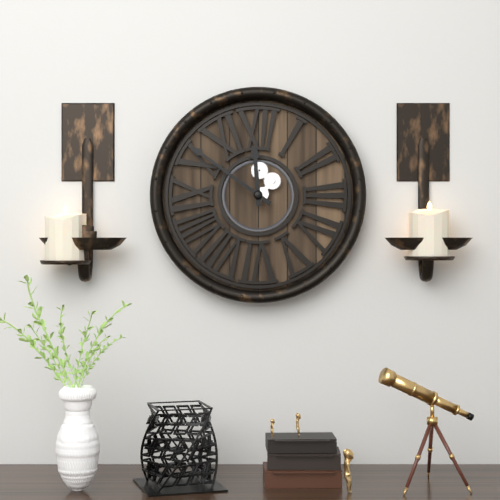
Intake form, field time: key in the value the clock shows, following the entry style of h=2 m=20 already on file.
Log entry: h=11 m=51
